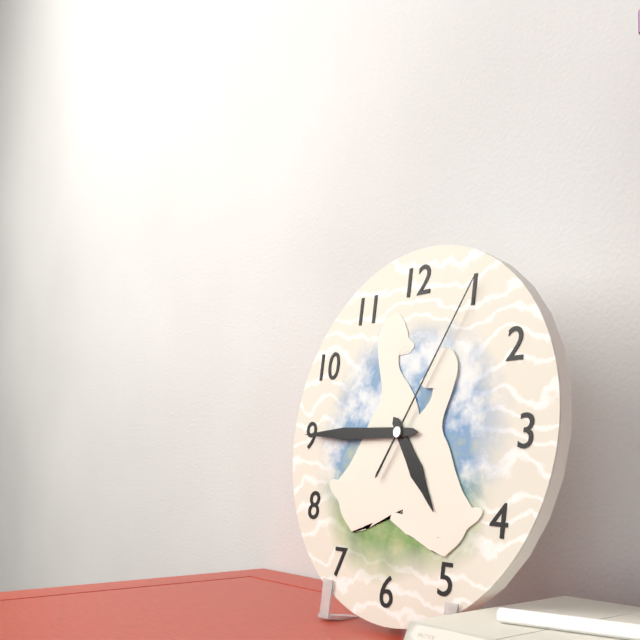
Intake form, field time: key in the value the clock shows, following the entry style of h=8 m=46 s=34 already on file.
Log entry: h=4 m=45 s=5
